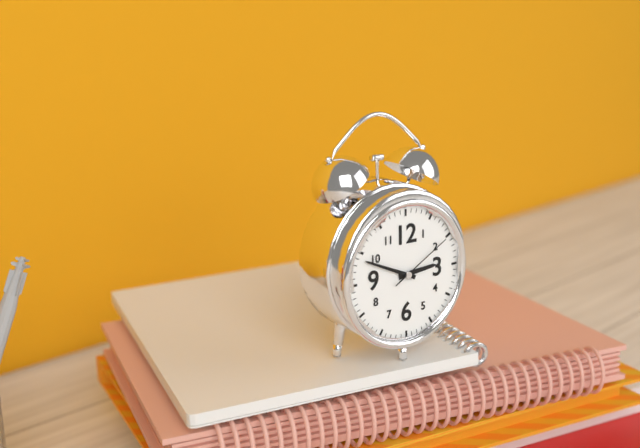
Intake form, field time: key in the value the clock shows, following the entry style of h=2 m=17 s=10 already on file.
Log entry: h=2 m=49 s=10
